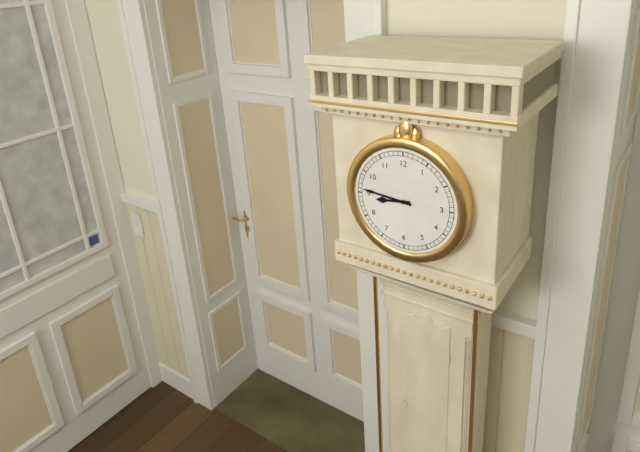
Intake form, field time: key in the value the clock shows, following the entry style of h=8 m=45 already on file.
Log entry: h=8 m=46
